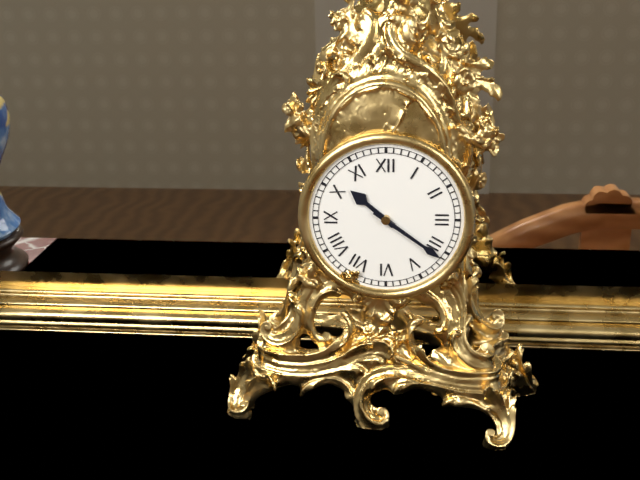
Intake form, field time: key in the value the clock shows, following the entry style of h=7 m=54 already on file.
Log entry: h=10 m=21
